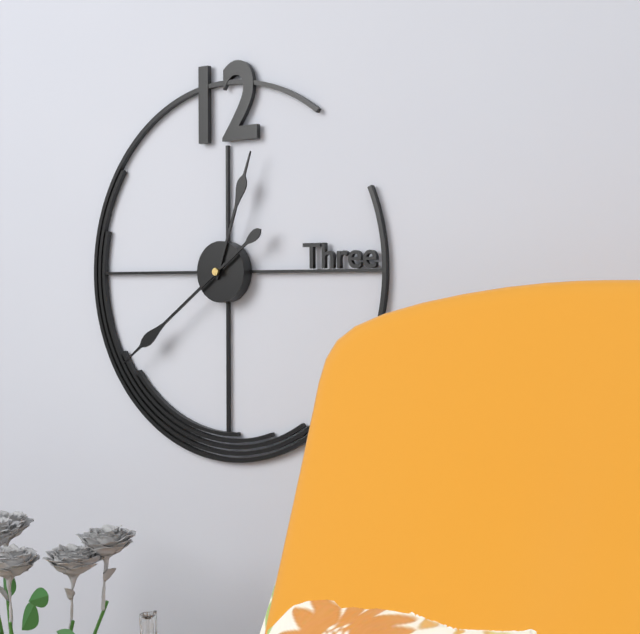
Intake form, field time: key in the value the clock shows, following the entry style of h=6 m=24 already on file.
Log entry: h=12 m=39
